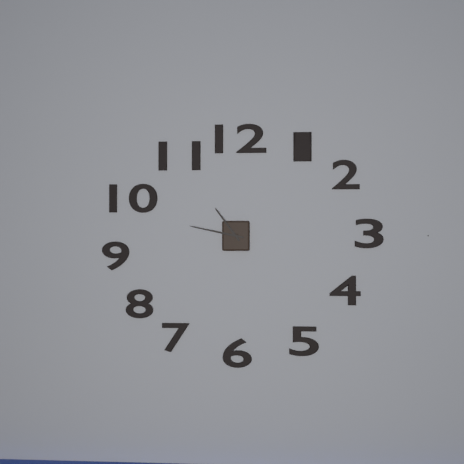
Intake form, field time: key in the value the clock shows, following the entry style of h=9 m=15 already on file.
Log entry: h=10 m=47
